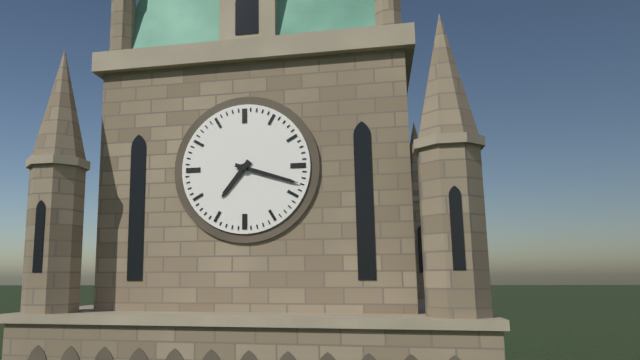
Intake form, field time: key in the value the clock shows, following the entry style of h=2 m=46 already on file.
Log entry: h=7 m=18
